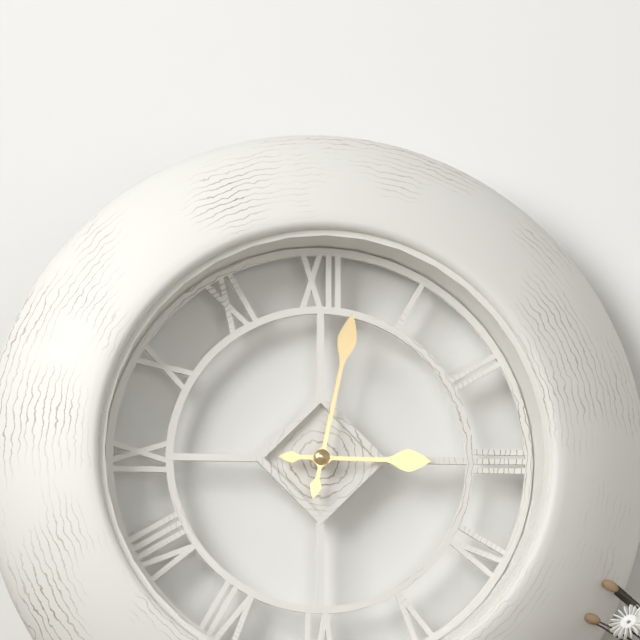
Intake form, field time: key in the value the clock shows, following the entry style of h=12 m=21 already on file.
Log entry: h=3 m=2
